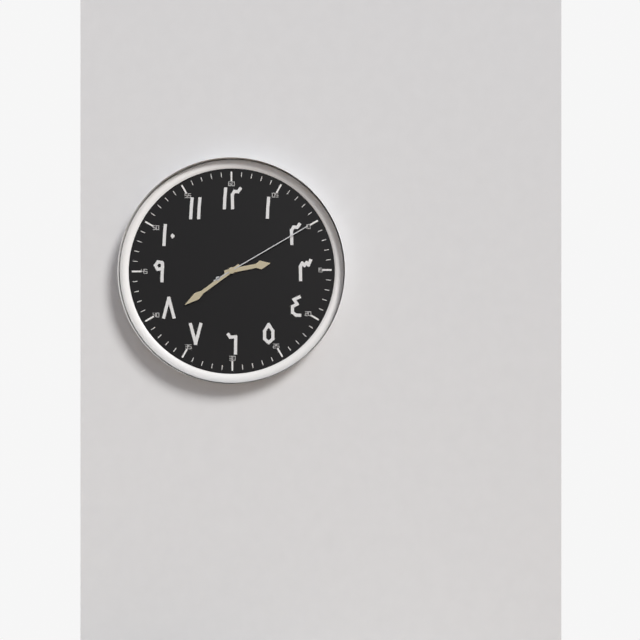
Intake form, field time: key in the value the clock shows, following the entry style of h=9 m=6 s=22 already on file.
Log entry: h=2 m=39 s=10
